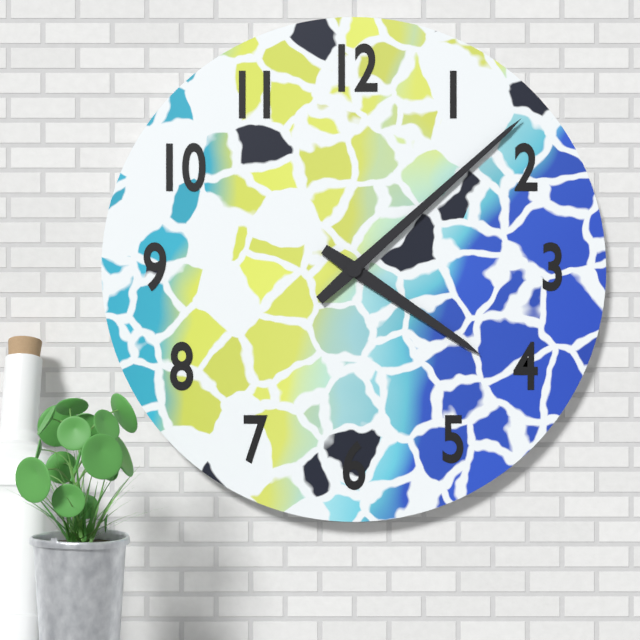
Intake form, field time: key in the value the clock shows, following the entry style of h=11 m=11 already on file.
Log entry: h=4 m=8
